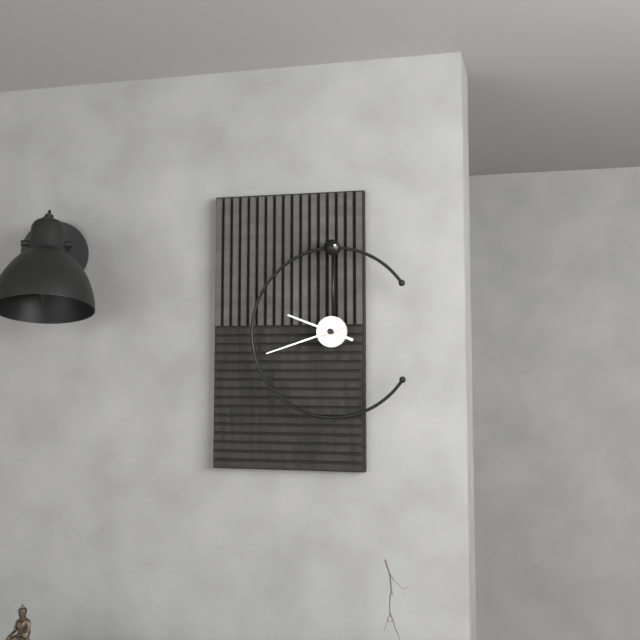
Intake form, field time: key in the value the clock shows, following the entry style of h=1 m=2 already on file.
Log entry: h=9 m=42
